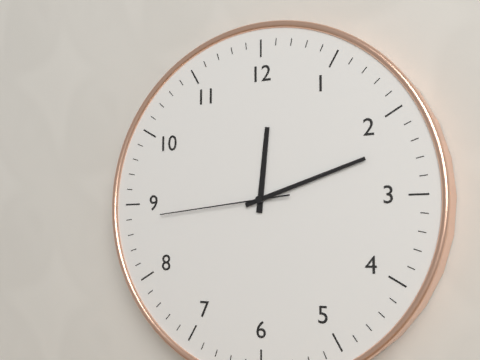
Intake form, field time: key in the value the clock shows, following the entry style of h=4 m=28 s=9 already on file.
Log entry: h=12 m=12 s=44
